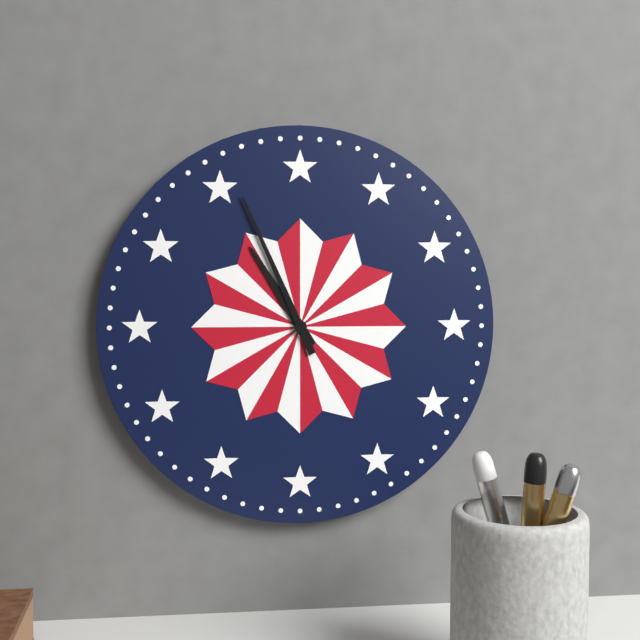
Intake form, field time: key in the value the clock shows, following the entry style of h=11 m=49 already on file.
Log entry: h=10 m=56
